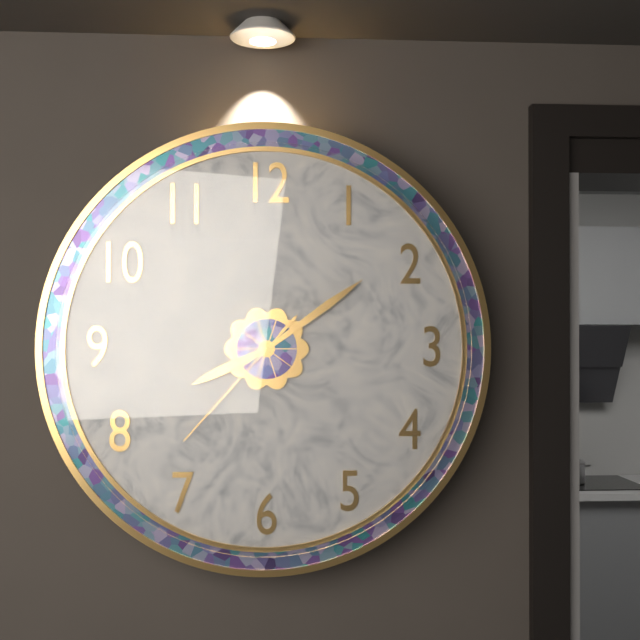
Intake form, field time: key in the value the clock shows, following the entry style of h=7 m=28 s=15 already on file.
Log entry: h=8 m=9 s=37
